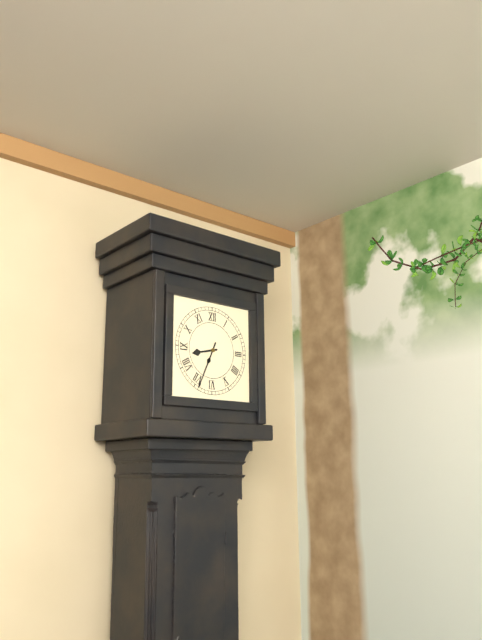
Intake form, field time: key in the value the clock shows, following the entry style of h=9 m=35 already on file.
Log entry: h=8 m=34
